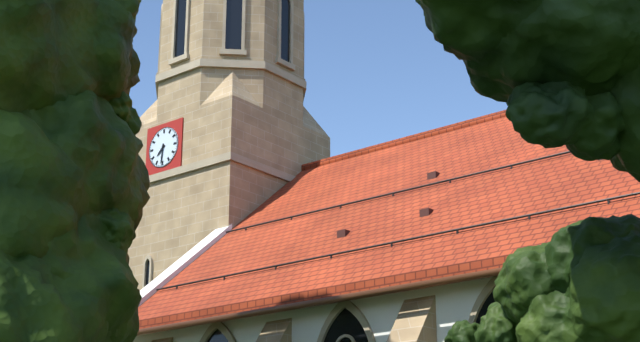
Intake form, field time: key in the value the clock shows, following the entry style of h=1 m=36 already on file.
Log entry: h=7 m=31
